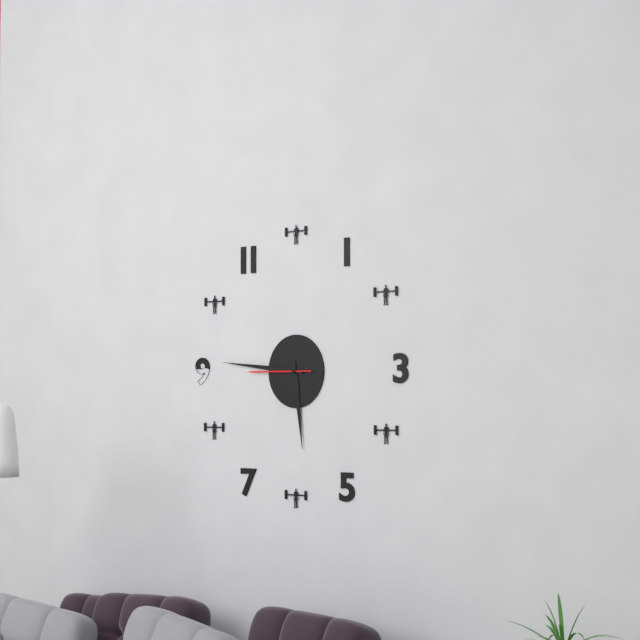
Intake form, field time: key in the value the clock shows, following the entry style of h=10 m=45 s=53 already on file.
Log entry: h=5 m=46 s=45
